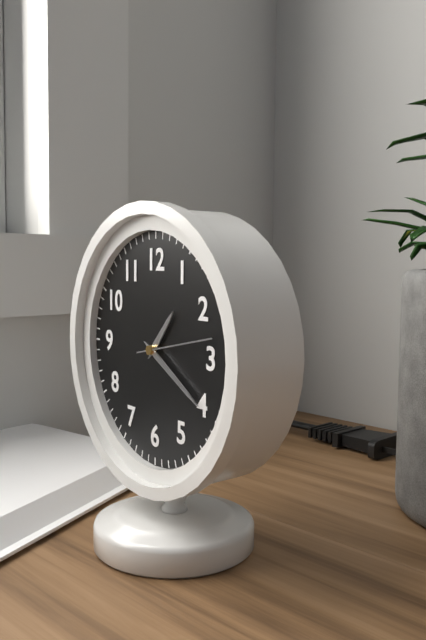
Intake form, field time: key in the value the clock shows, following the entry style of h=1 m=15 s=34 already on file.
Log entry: h=1 m=20 s=13
